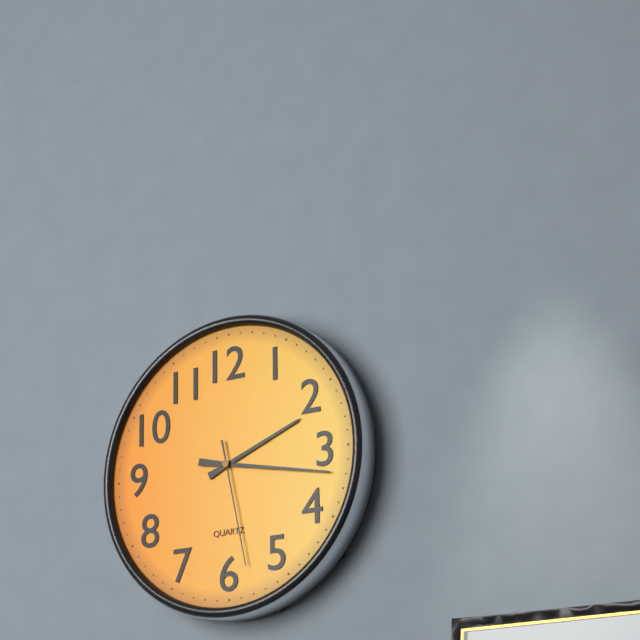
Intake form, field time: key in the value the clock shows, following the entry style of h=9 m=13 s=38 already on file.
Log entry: h=2 m=17 s=28
